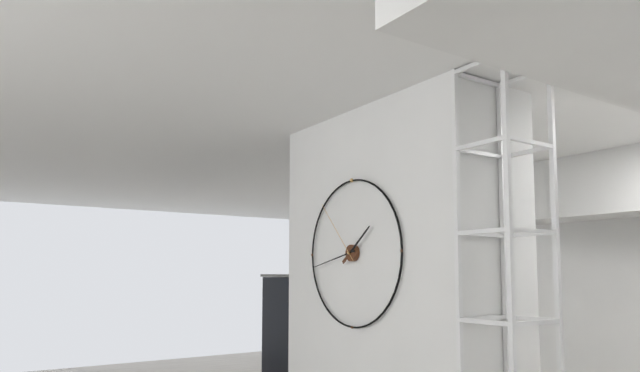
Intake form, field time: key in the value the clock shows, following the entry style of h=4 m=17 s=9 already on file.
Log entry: h=1 m=43 s=53
